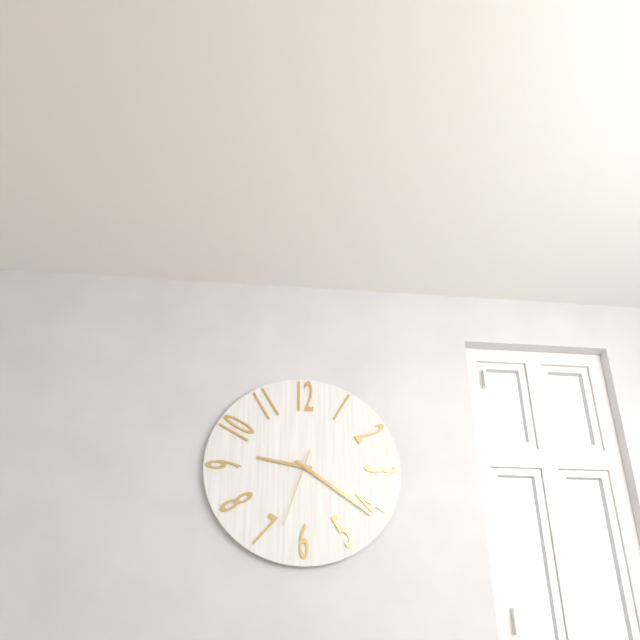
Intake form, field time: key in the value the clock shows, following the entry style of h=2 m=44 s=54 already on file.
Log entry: h=9 m=21 s=33
